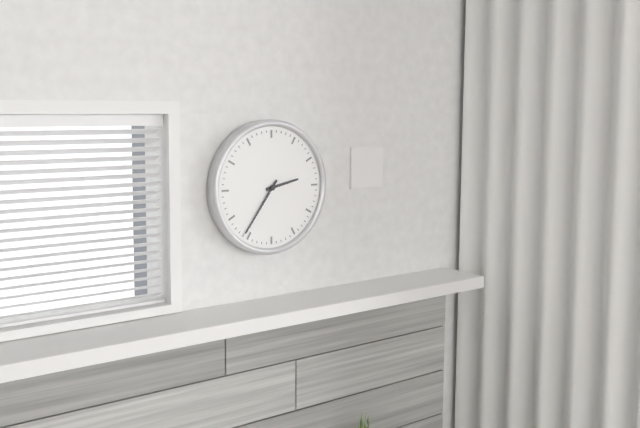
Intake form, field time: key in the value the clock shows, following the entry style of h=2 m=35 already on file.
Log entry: h=2 m=36
